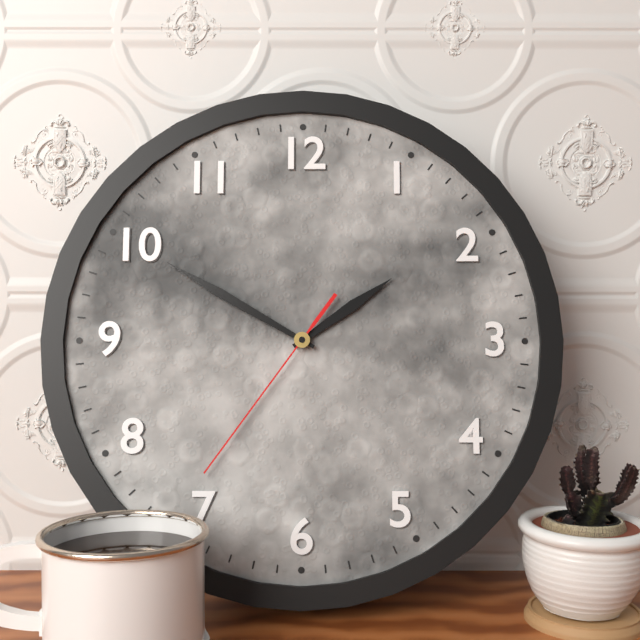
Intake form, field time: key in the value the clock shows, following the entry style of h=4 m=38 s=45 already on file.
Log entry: h=1 m=50 s=36
